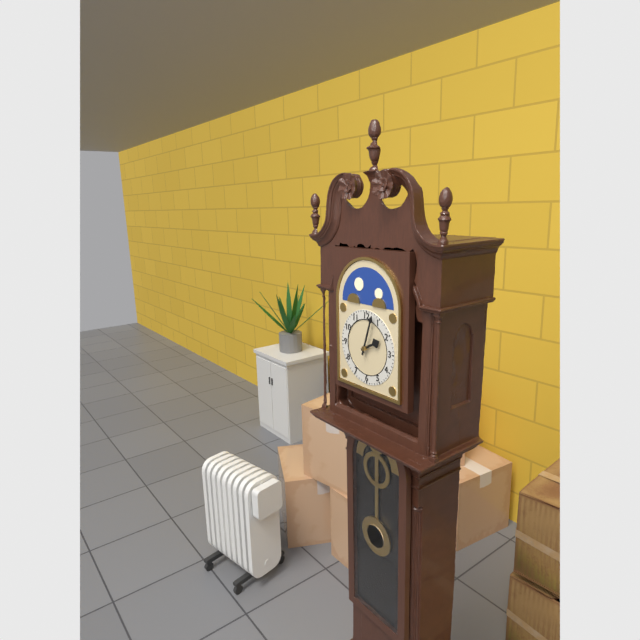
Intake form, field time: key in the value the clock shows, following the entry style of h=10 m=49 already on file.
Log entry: h=2 m=3
